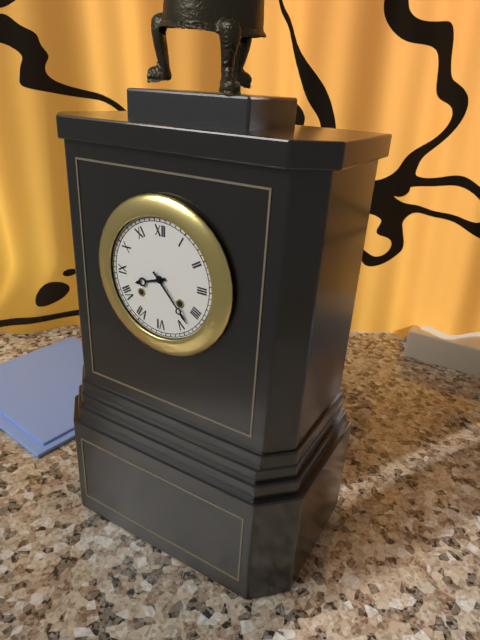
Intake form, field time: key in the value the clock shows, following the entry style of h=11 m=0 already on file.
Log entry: h=8 m=23
